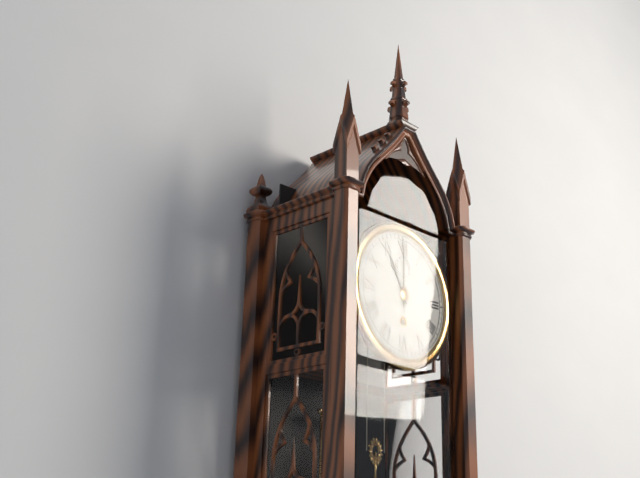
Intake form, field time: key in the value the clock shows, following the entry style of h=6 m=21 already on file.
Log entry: h=11 m=0
